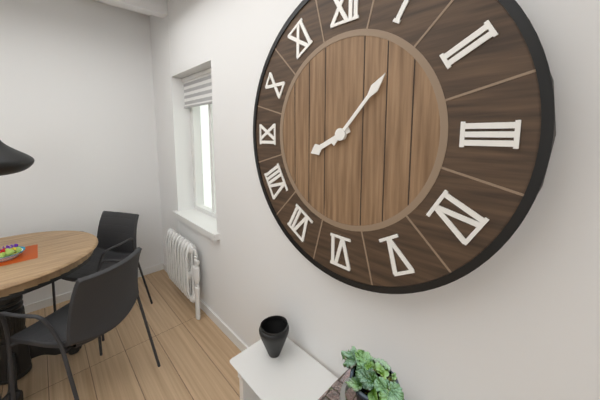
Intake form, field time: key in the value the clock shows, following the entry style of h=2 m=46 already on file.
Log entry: h=8 m=7
